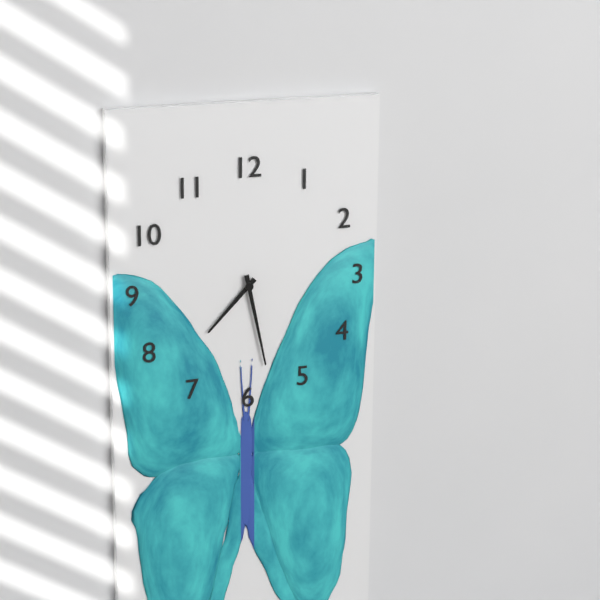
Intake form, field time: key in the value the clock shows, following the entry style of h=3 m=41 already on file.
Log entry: h=7 m=28
